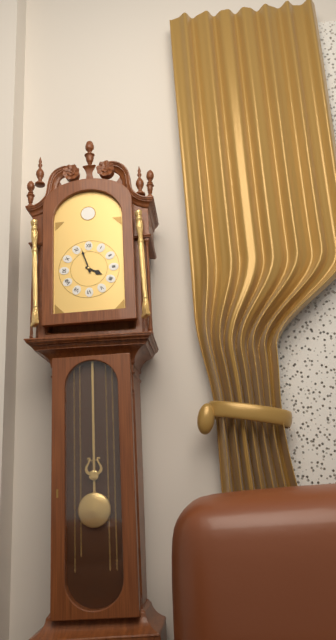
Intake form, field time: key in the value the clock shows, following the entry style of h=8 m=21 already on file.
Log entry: h=3 m=57
